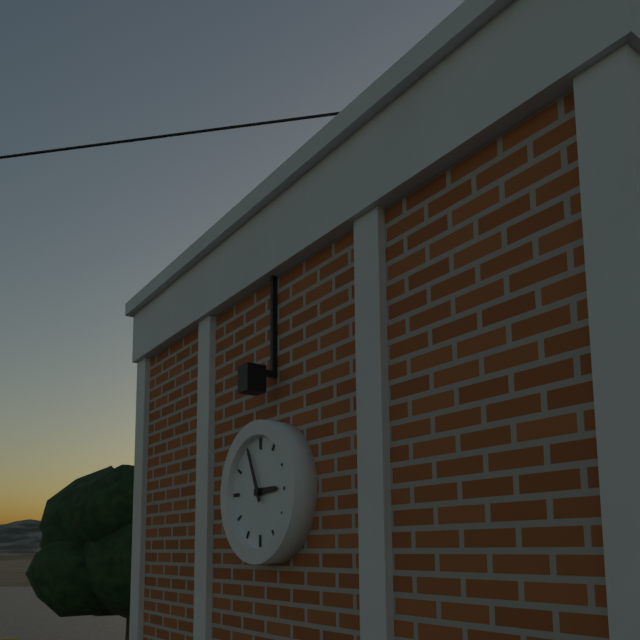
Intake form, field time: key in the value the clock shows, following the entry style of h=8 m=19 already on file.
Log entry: h=2 m=56
